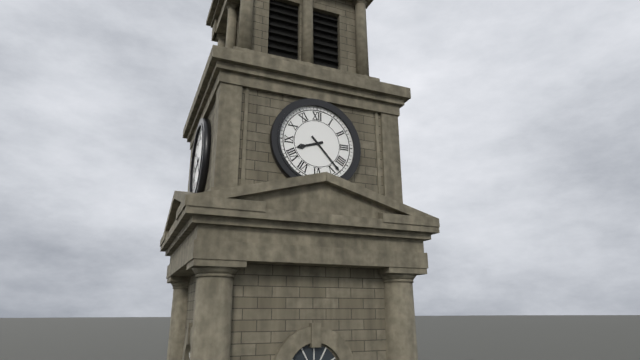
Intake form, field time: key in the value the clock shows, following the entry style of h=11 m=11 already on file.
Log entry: h=8 m=23
